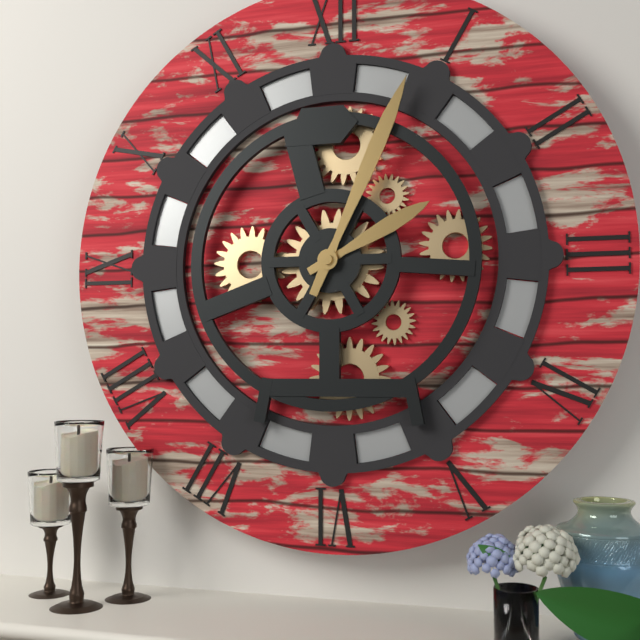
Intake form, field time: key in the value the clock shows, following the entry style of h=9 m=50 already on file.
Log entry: h=2 m=4
